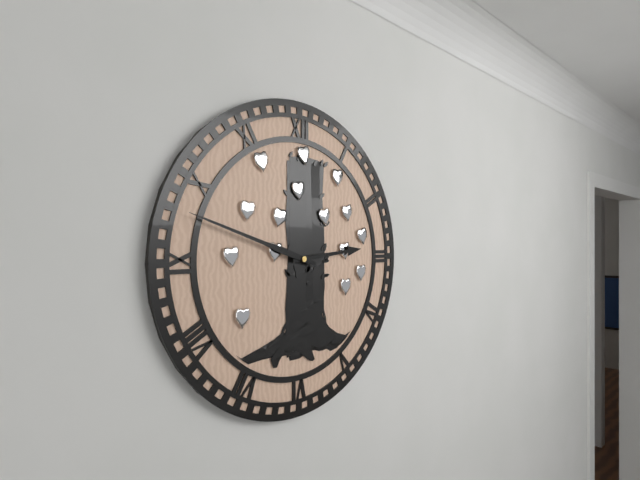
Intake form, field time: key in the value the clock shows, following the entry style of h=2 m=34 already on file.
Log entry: h=2 m=48
